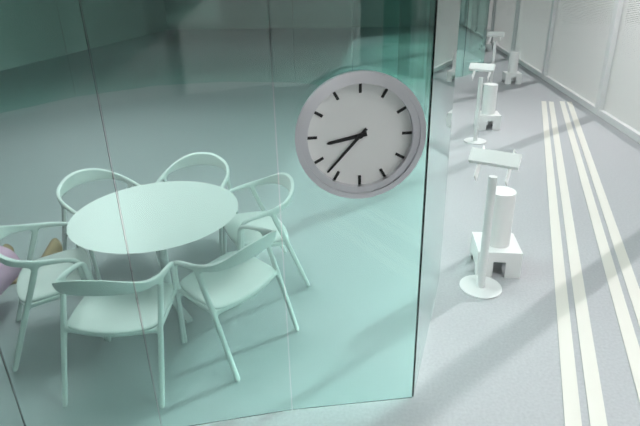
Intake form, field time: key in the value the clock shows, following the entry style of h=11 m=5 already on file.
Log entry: h=8 m=37
